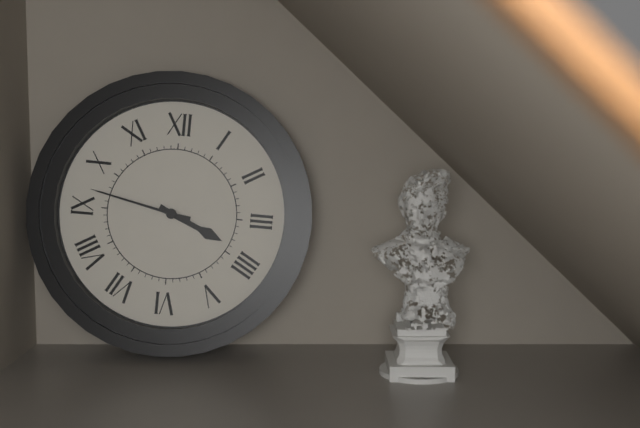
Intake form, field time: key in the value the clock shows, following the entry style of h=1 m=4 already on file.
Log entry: h=3 m=47
